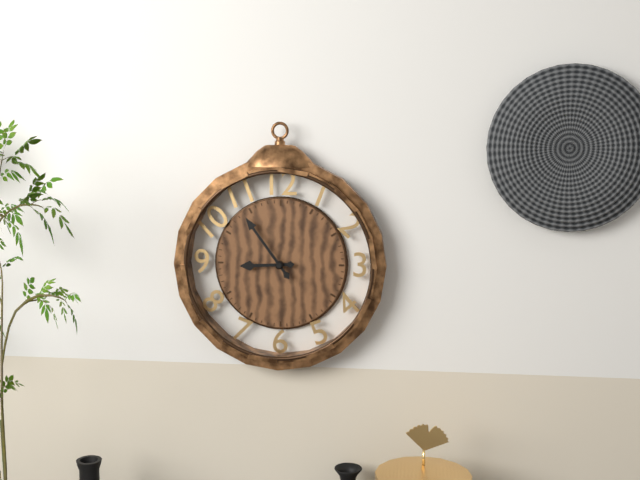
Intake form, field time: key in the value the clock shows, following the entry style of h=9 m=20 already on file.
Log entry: h=8 m=54
